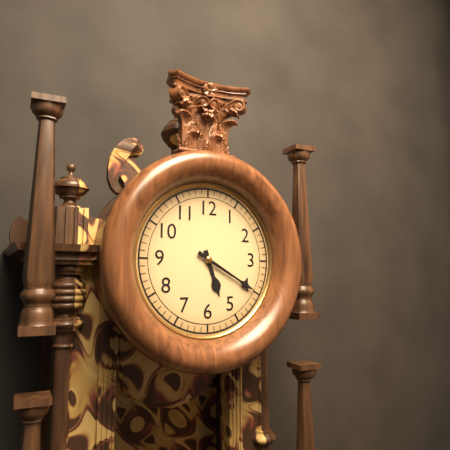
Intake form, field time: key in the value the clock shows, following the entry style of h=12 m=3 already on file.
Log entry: h=5 m=20
